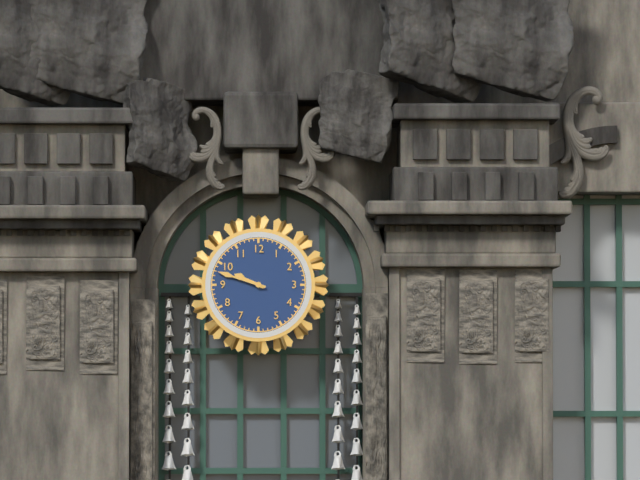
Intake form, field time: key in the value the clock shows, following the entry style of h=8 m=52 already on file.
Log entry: h=9 m=48
